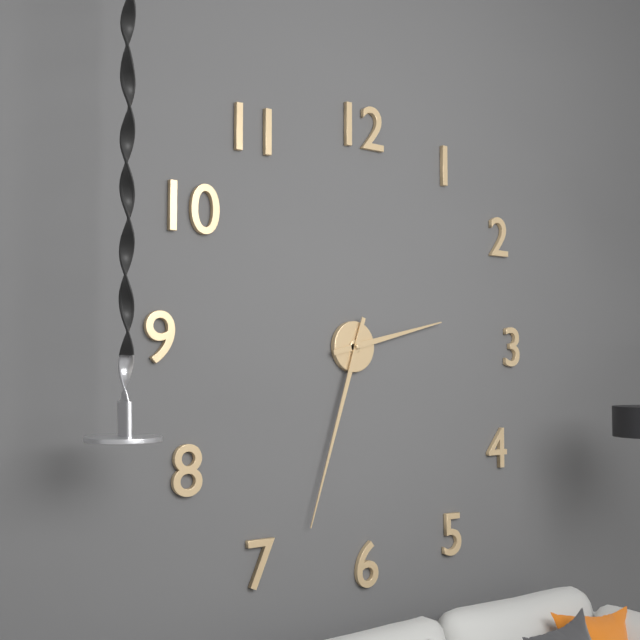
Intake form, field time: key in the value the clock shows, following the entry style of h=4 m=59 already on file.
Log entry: h=2 m=33
